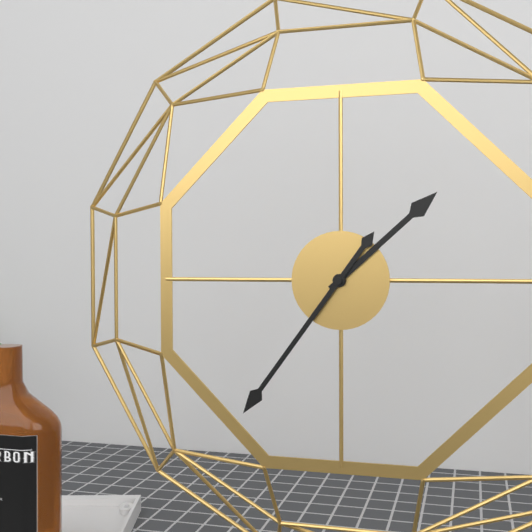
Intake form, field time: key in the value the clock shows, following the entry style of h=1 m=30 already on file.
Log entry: h=1 m=36
